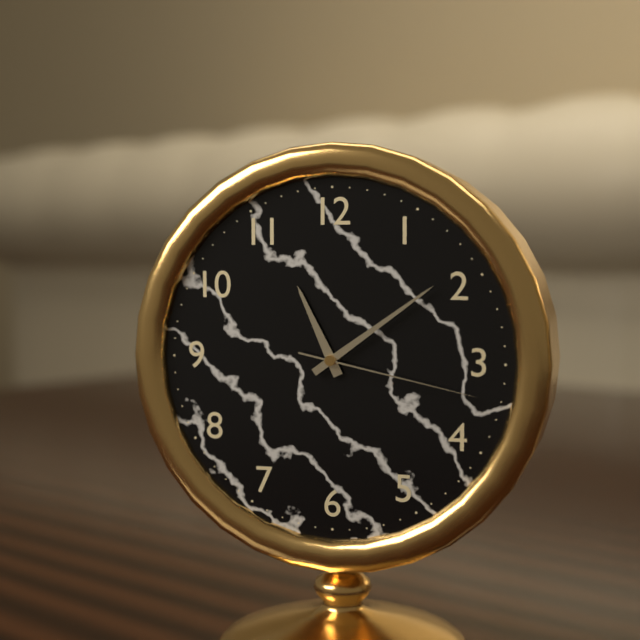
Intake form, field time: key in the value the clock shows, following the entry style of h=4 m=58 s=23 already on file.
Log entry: h=11 m=9 s=17
